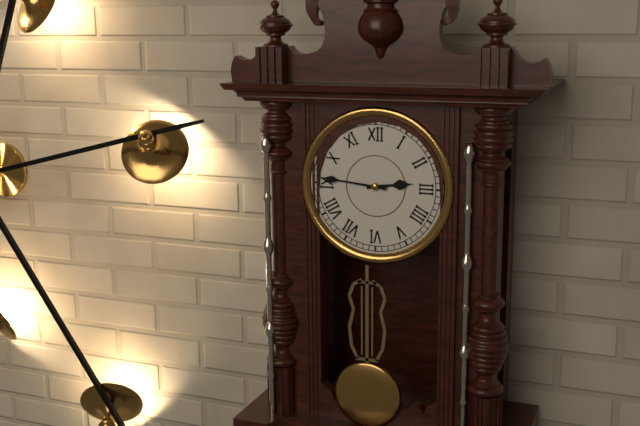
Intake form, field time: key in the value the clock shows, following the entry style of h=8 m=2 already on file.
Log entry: h=2 m=46
